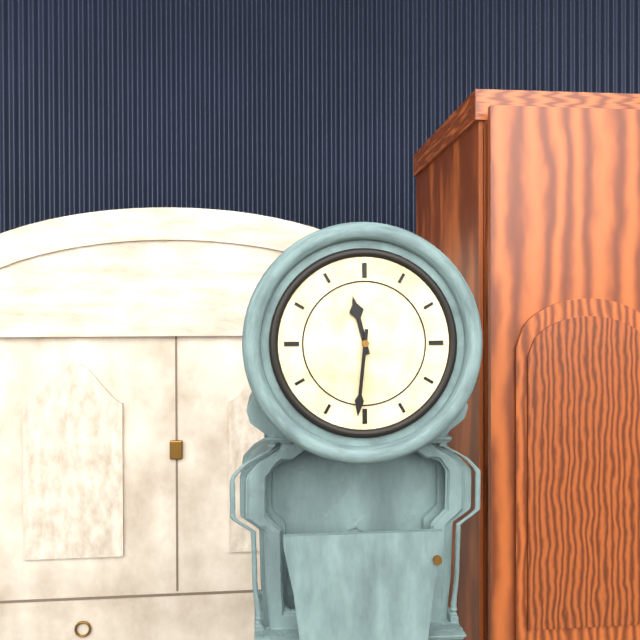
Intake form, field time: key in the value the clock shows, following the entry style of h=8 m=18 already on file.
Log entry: h=11 m=31
